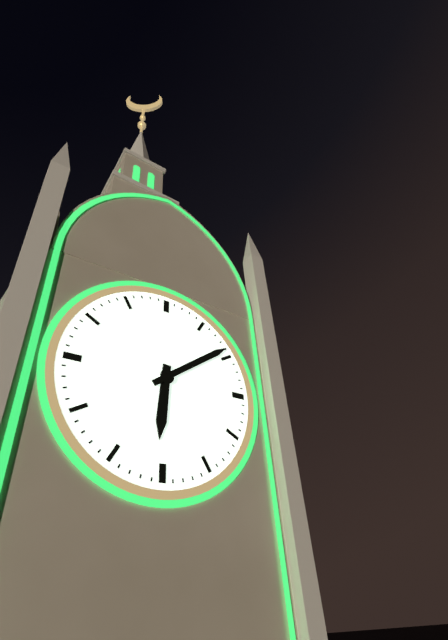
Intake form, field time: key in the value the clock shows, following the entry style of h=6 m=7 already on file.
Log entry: h=6 m=9
